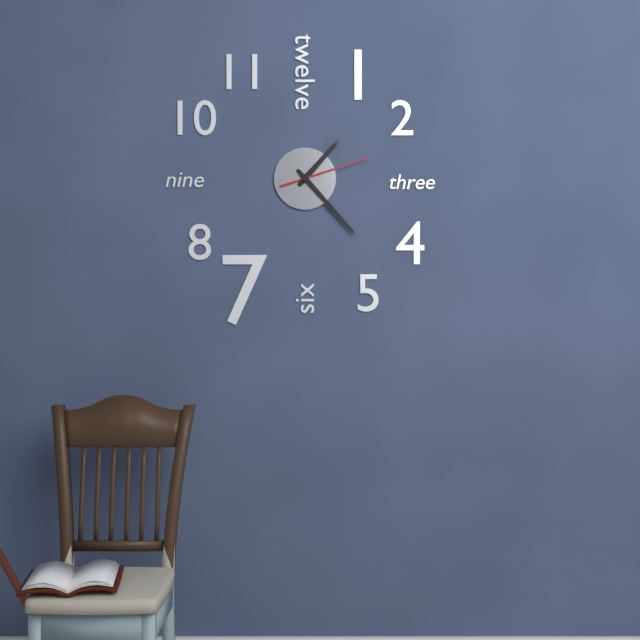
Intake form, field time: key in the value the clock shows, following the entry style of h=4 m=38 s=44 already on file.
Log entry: h=1 m=23 s=12
